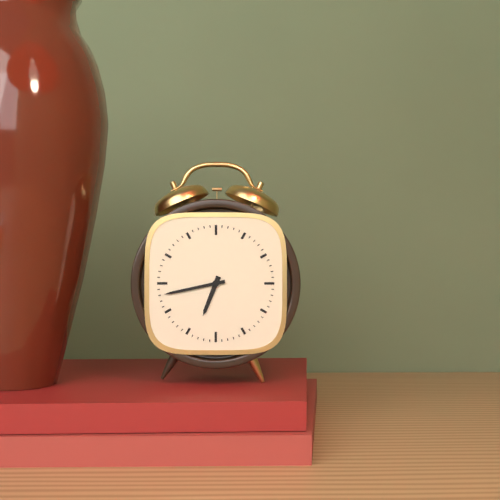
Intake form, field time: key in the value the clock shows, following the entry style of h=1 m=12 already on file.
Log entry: h=6 m=43
